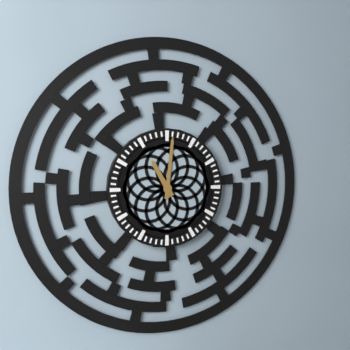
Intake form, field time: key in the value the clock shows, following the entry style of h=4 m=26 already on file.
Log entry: h=11 m=1
